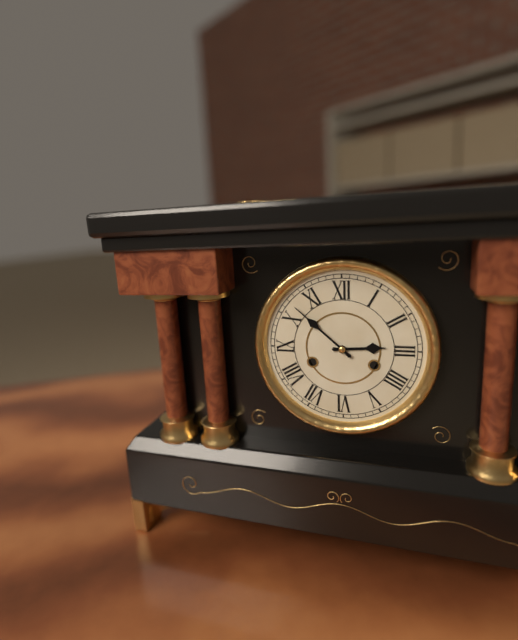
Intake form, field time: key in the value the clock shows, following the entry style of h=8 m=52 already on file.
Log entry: h=2 m=52
